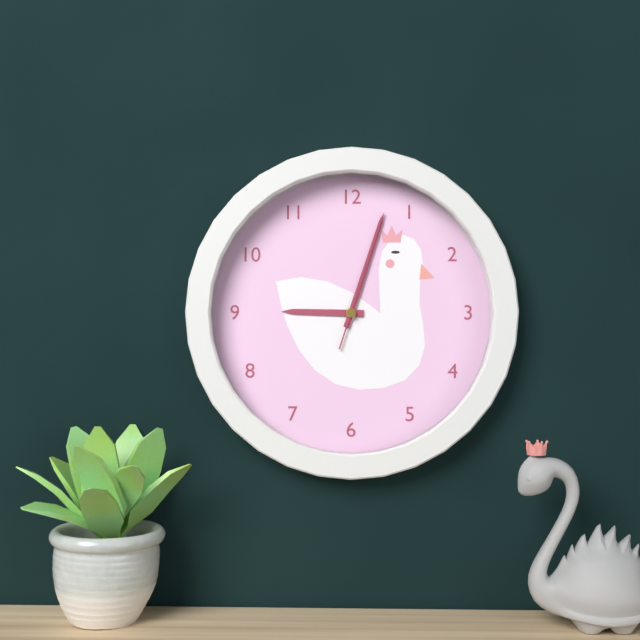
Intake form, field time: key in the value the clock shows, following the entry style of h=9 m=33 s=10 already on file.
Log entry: h=9 m=3 s=3
